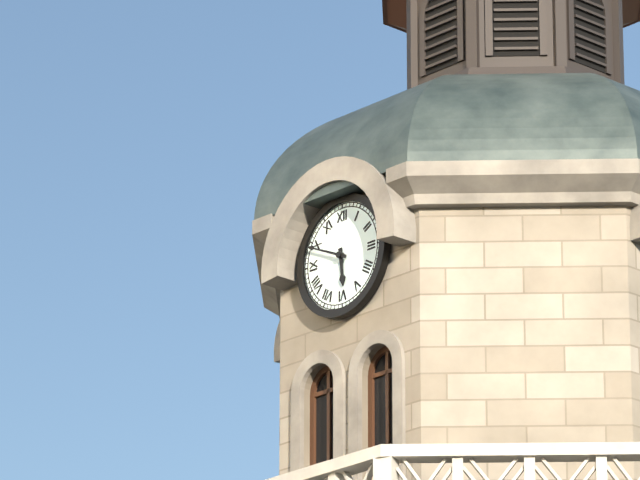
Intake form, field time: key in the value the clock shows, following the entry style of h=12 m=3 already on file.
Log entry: h=5 m=49
